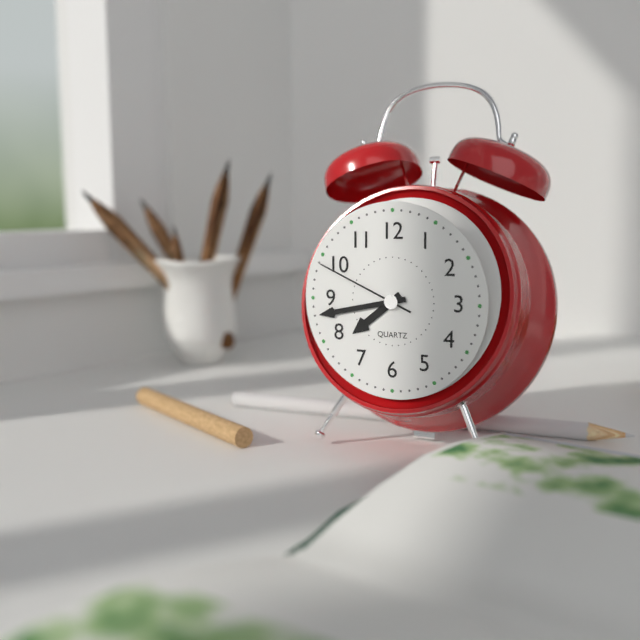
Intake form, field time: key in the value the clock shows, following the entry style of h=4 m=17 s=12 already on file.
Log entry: h=7 m=43 s=49
